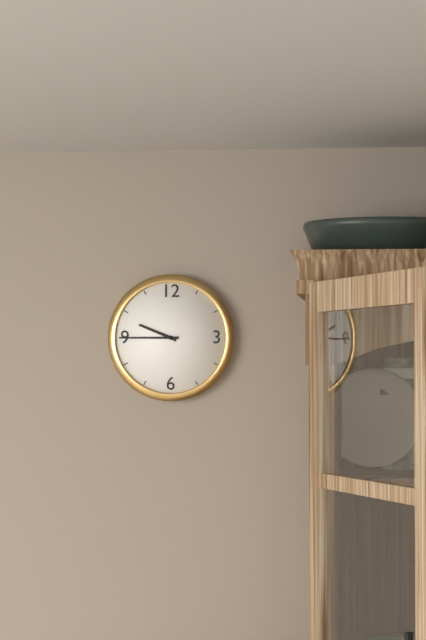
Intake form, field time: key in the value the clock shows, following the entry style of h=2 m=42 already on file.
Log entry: h=9 m=45
